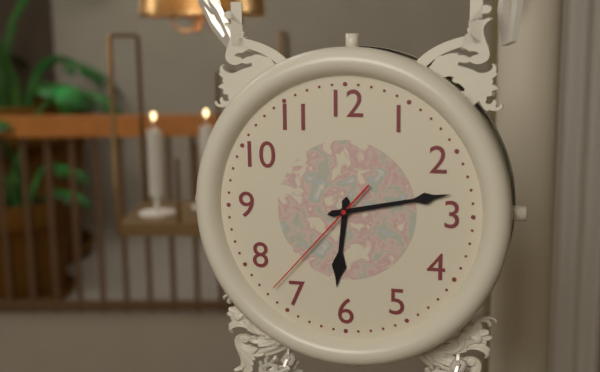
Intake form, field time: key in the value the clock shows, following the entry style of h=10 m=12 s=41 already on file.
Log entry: h=6 m=13 s=37
